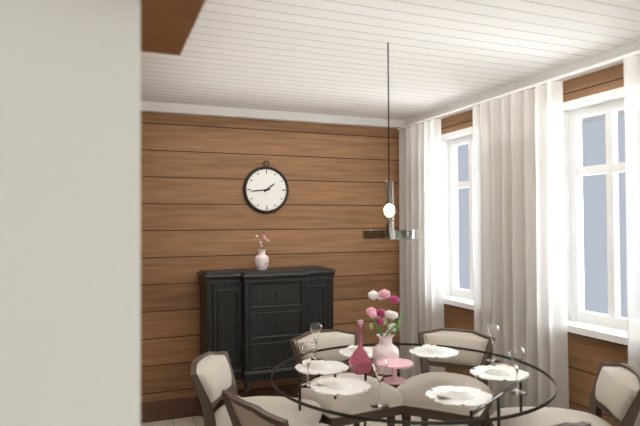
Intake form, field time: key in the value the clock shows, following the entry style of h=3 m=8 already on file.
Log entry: h=1 m=44
